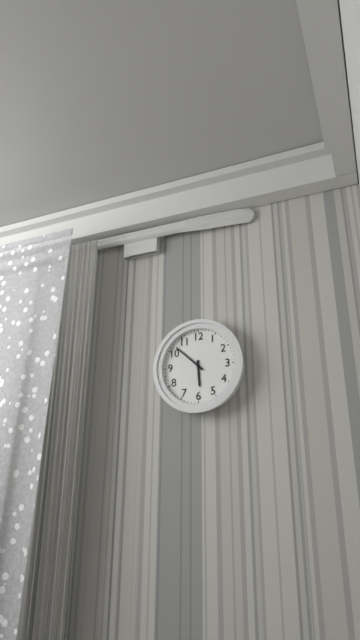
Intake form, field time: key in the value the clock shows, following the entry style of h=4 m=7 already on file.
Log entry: h=5 m=52
